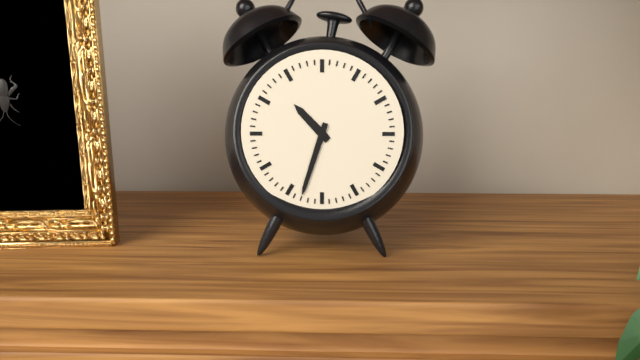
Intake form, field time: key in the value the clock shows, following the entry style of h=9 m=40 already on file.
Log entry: h=10 m=33
